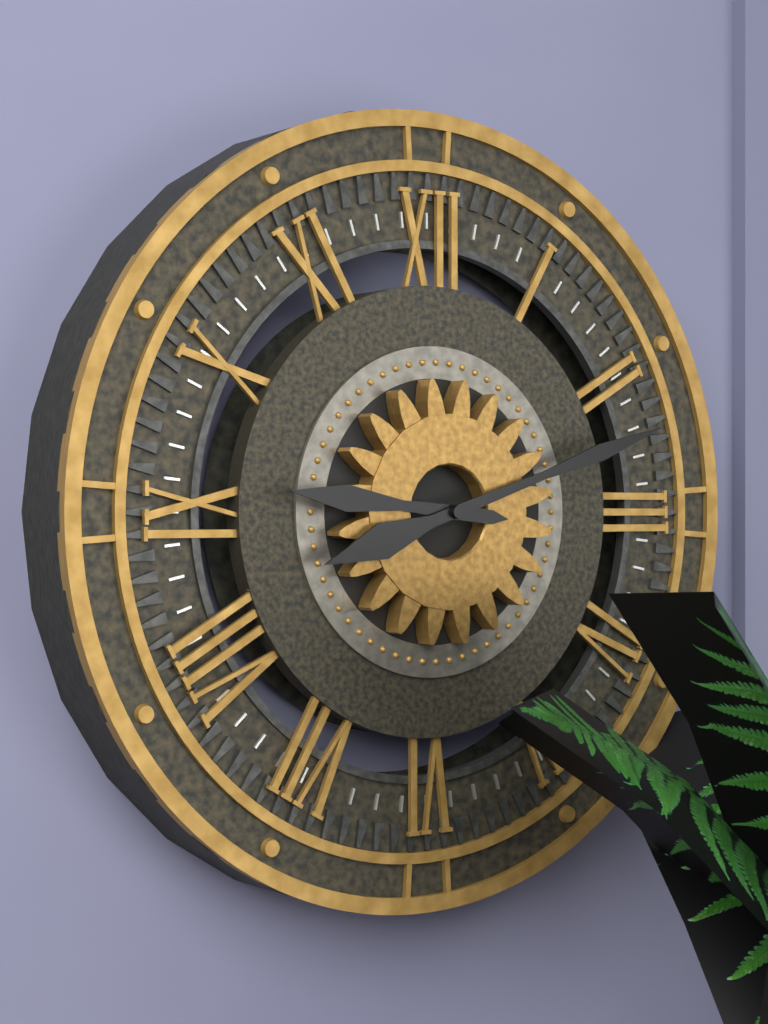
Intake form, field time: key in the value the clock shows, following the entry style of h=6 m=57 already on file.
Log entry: h=9 m=12
